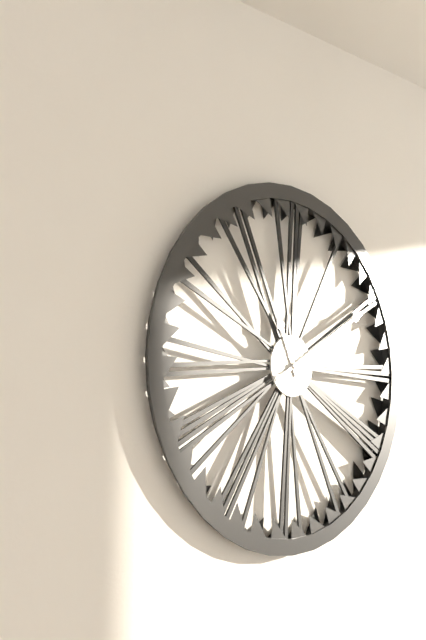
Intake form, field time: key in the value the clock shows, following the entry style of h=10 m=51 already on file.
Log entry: h=11 m=10
